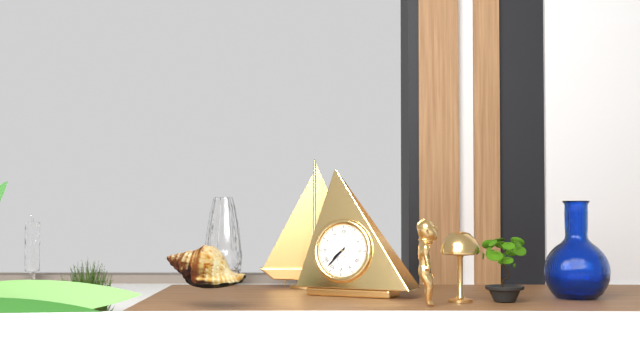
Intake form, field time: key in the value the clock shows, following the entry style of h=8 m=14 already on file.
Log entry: h=7 m=37
